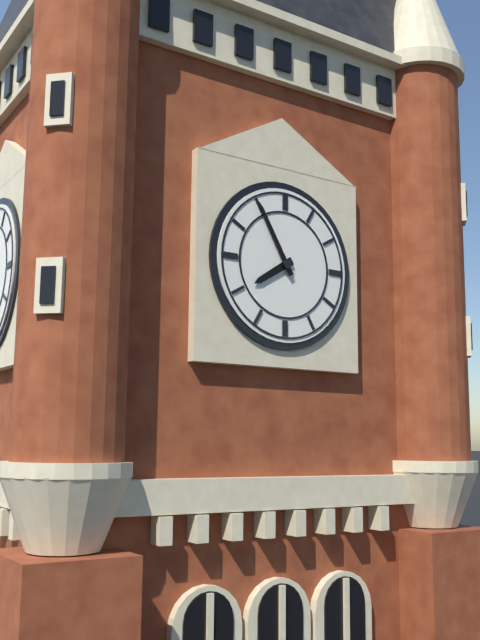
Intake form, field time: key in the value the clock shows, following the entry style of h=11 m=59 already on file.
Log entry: h=7 m=55
